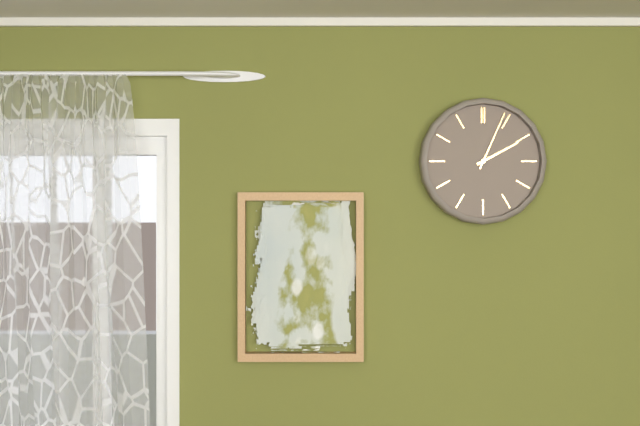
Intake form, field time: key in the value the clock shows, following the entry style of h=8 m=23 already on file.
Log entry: h=2 m=4
